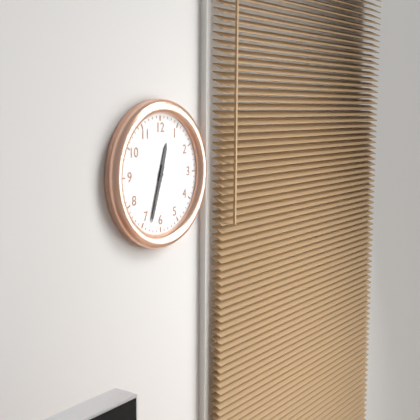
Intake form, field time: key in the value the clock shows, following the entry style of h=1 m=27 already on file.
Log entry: h=12 m=33
